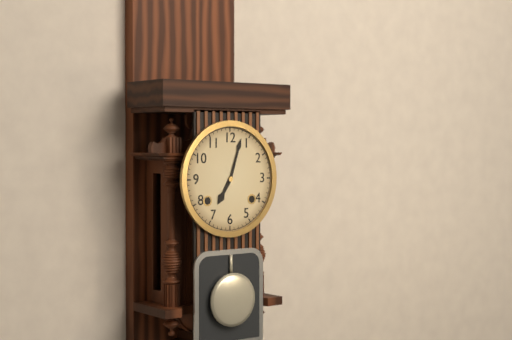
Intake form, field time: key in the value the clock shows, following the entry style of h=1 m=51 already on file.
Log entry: h=7 m=3
